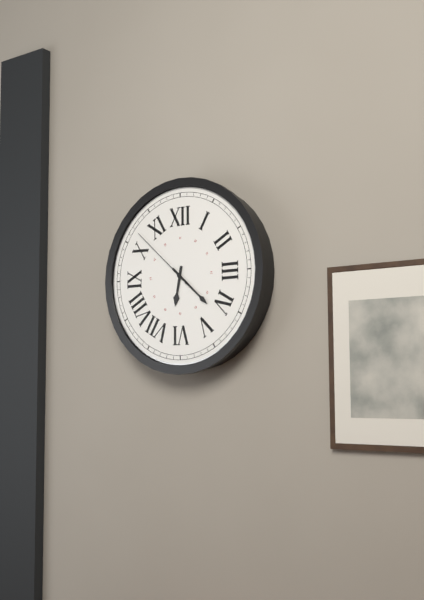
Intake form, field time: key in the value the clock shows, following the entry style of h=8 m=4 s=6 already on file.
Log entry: h=6 m=22 s=52
